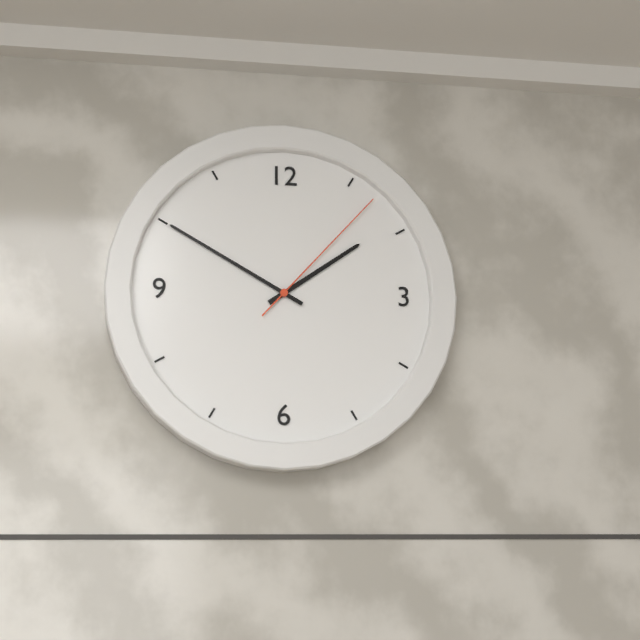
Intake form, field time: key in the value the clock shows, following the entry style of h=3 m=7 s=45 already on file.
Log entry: h=1 m=50 s=7
